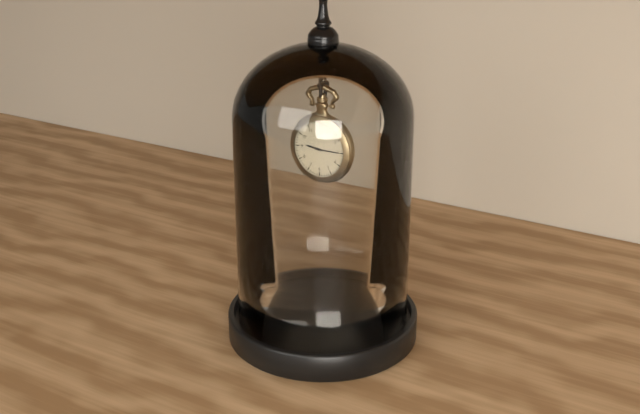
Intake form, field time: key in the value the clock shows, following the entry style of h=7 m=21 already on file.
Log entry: h=9 m=15
